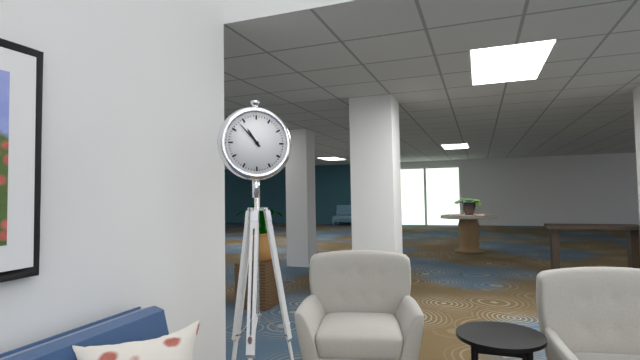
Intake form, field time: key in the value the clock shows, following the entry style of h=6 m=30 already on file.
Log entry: h=10 m=53
